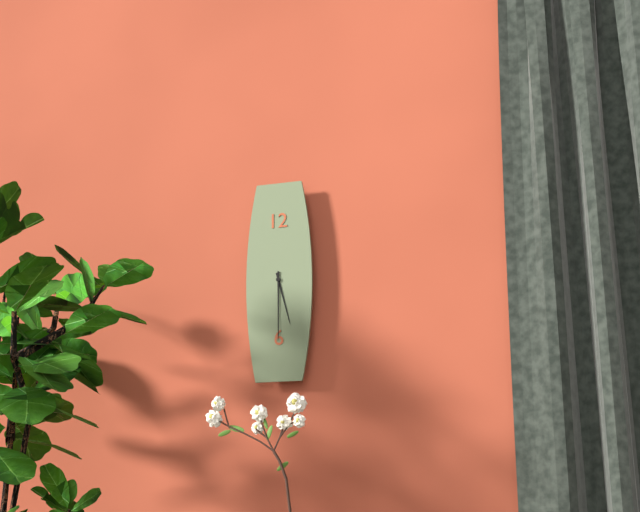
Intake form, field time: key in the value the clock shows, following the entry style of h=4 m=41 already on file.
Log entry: h=5 m=30
